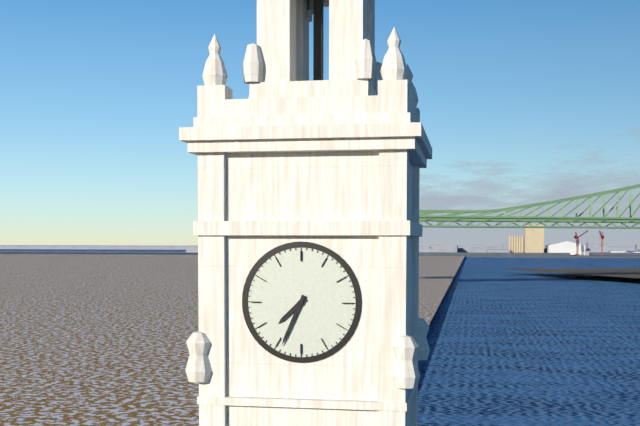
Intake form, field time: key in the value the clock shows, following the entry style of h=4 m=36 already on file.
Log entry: h=7 m=34
